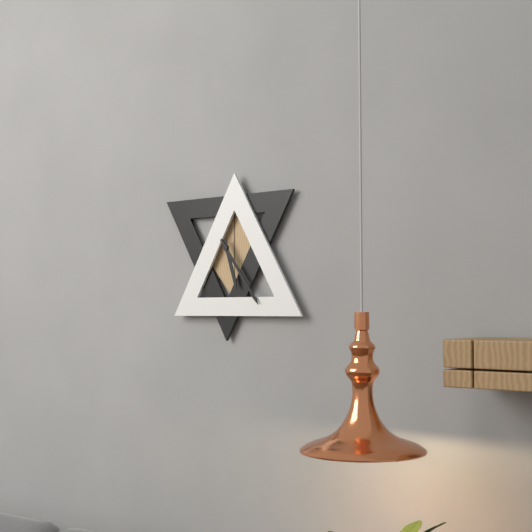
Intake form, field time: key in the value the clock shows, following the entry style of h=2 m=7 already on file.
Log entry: h=5 m=24
